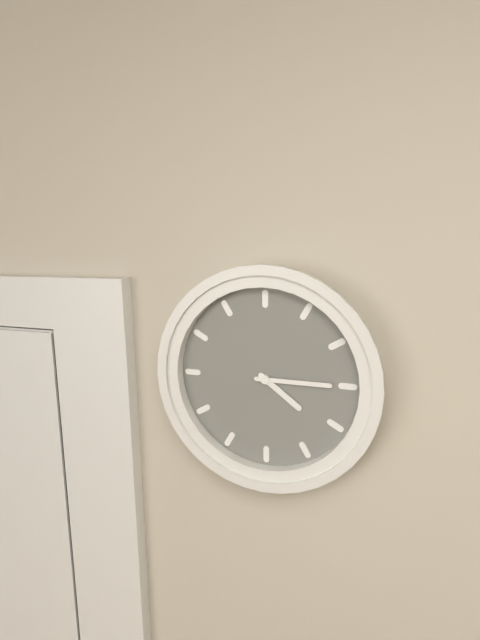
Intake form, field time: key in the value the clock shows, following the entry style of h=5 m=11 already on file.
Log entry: h=4 m=15
